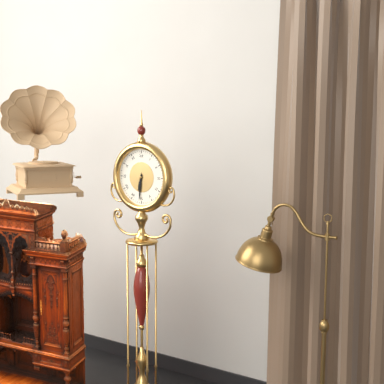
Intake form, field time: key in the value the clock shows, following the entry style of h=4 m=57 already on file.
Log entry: h=6 m=31
